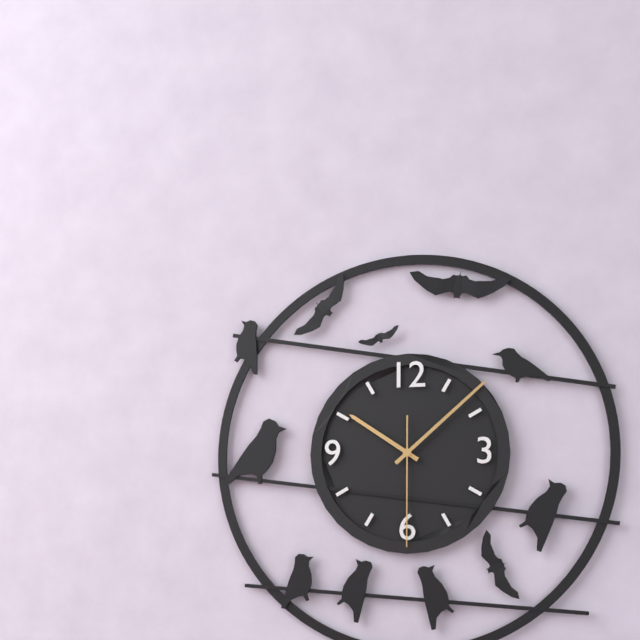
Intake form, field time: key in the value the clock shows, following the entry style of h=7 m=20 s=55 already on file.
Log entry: h=10 m=8 s=30
